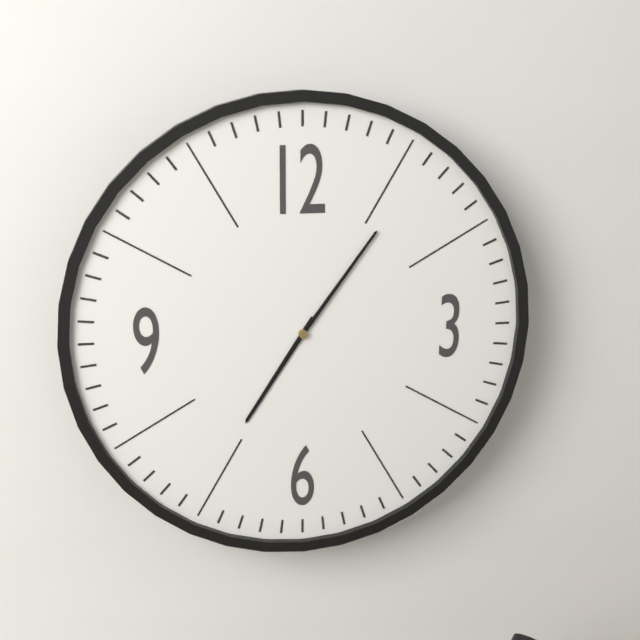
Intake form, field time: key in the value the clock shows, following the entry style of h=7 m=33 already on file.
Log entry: h=7 m=6
